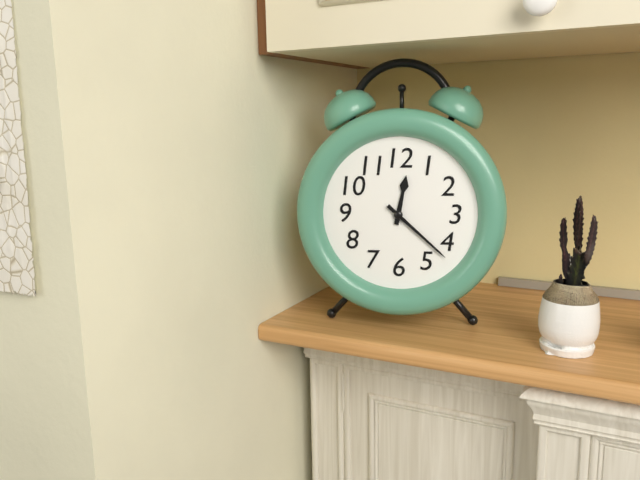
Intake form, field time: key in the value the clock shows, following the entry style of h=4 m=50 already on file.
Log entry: h=12 m=22
